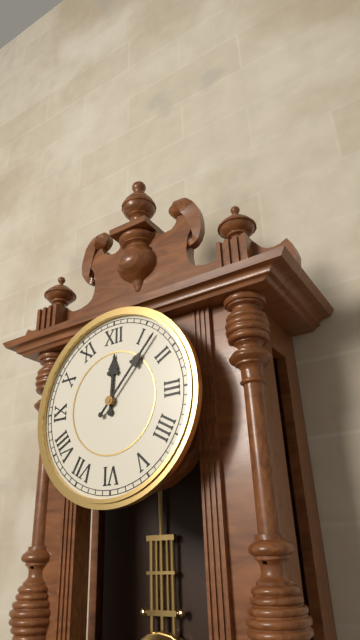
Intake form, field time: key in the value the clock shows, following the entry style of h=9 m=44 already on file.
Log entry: h=12 m=7
